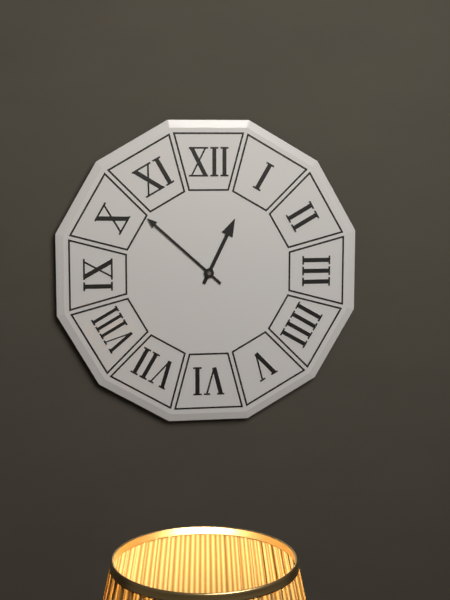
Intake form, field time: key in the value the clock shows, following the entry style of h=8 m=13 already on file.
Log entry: h=12 m=52
